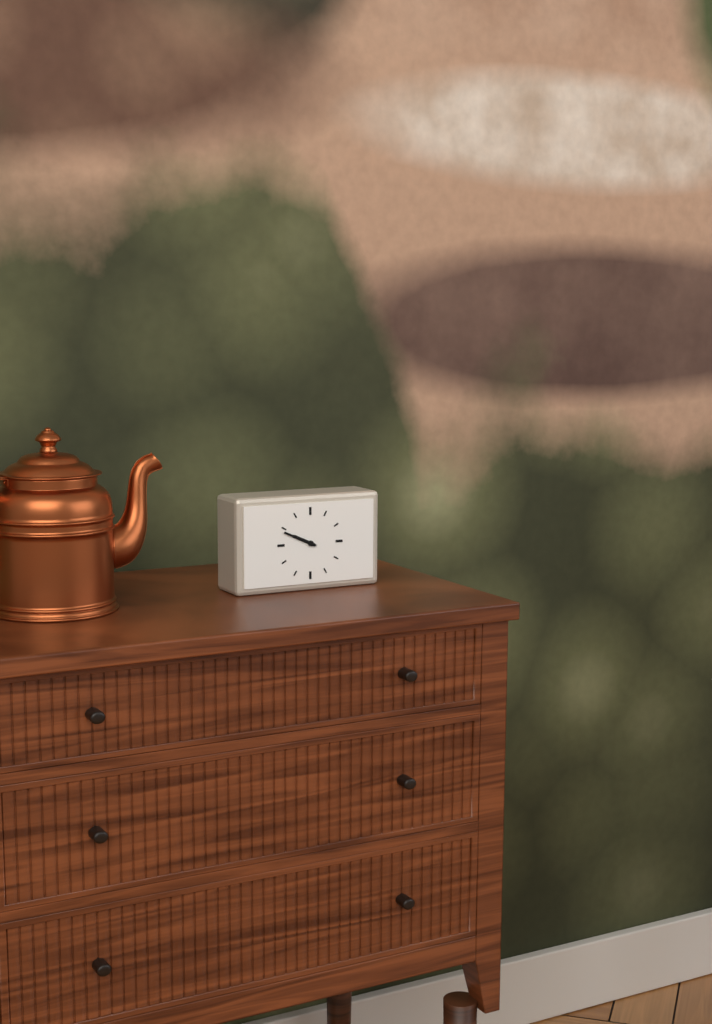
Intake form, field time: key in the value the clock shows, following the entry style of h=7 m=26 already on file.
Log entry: h=9 m=49
